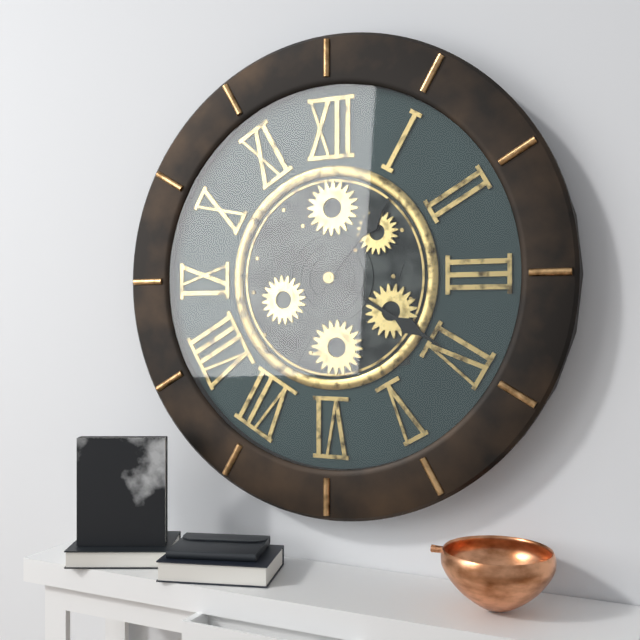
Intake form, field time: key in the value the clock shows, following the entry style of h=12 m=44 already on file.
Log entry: h=1 m=20
